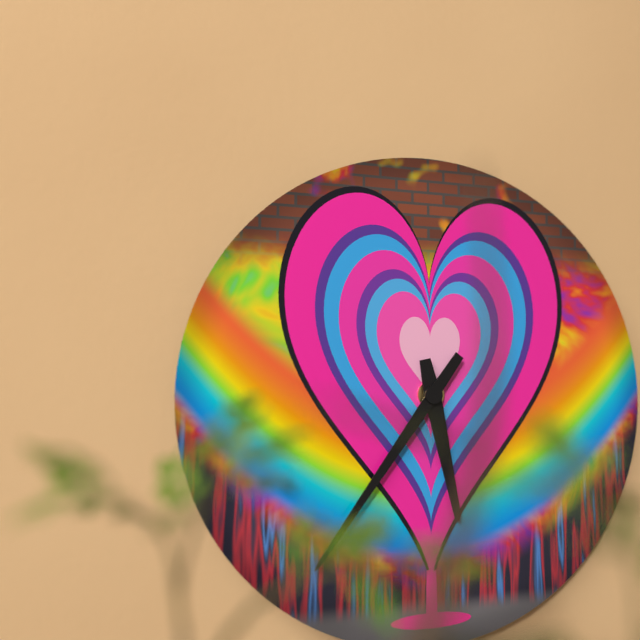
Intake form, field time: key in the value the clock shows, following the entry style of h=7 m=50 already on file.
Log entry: h=5 m=36
